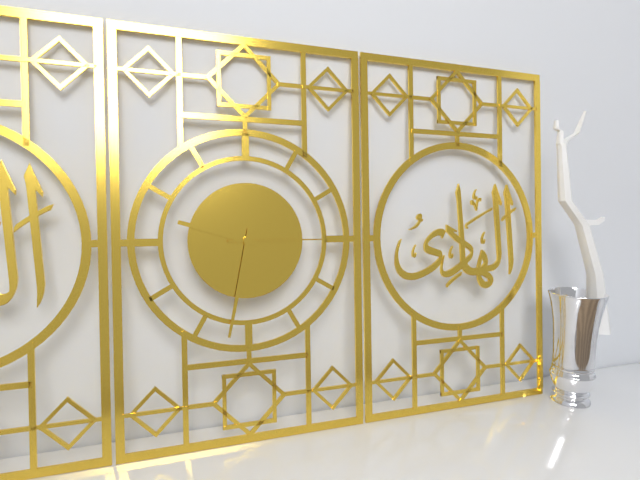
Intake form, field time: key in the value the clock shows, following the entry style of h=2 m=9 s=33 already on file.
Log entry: h=9 m=32 s=15
